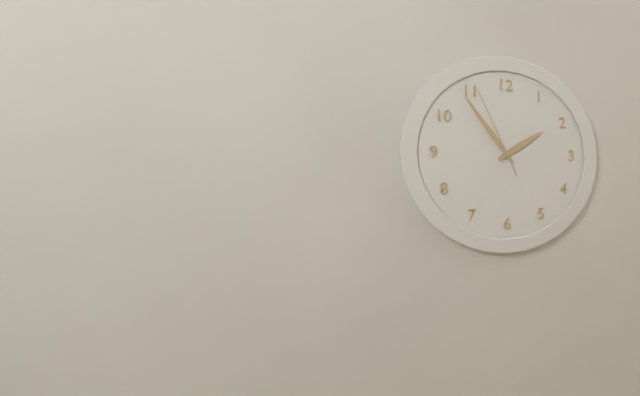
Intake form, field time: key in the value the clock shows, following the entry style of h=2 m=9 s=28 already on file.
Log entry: h=1 m=54 s=56
